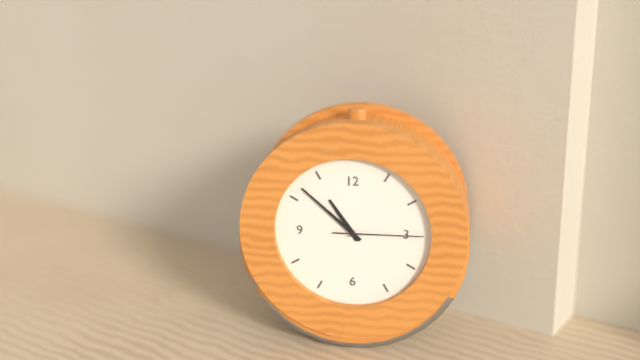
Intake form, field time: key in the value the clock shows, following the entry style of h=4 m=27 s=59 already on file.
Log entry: h=10 m=52 s=15
